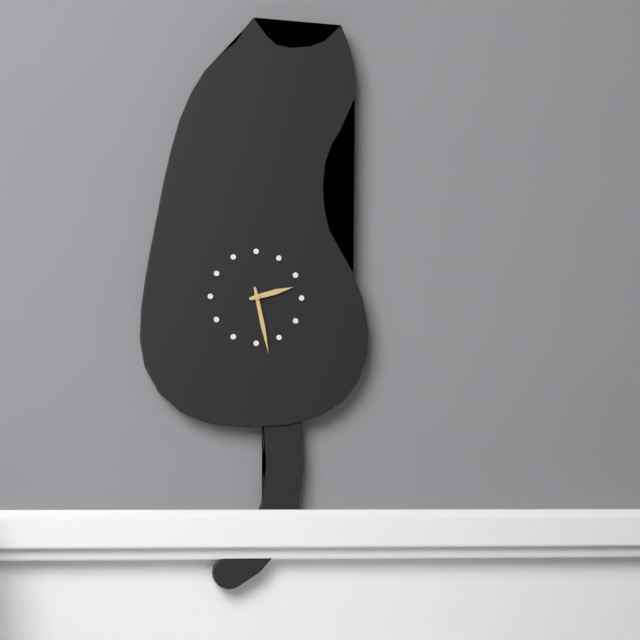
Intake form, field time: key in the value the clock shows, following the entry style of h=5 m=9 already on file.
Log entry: h=2 m=28
